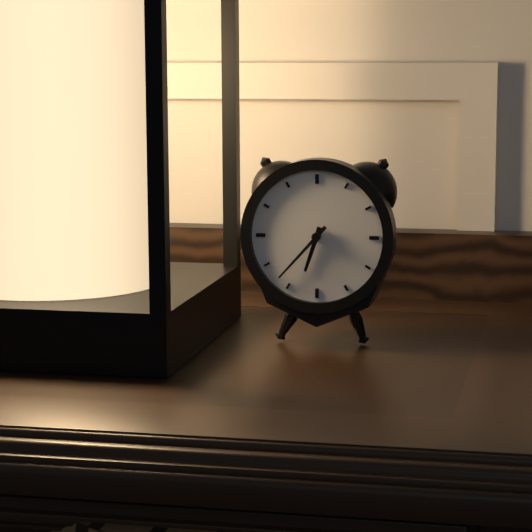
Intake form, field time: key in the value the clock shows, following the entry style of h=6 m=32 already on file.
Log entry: h=6 m=37
